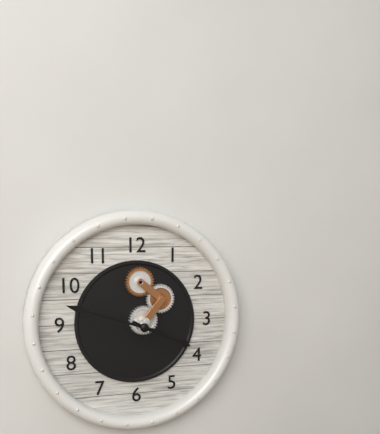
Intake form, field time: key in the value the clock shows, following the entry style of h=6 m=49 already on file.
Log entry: h=3 m=48
